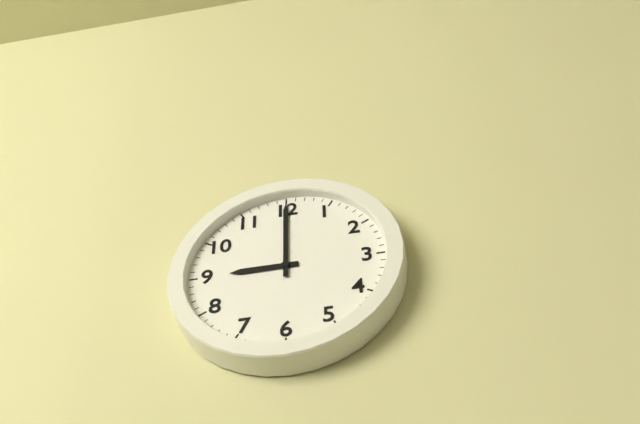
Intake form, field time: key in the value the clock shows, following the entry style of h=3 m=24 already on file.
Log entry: h=9 m=0
